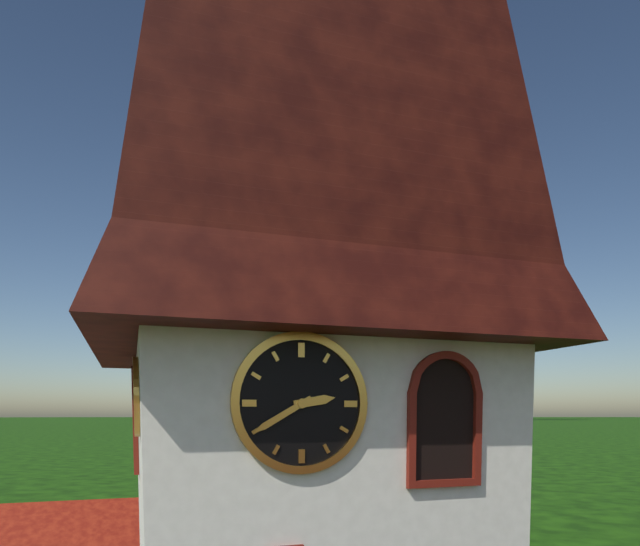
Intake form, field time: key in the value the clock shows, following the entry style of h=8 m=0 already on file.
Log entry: h=2 m=40
